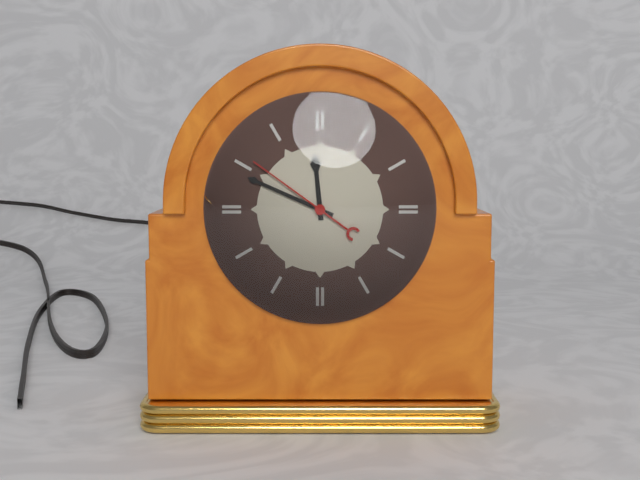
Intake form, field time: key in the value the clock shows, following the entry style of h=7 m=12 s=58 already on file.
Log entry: h=11 m=49 s=51
